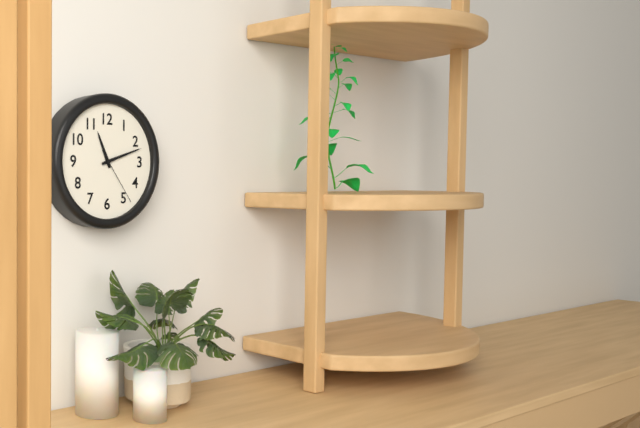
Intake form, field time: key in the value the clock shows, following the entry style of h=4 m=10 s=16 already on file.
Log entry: h=11 m=12 s=24
